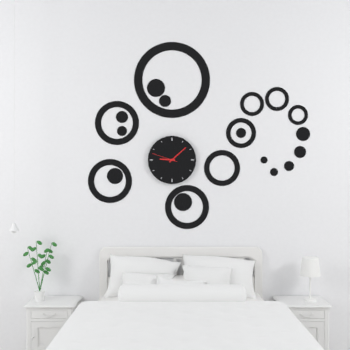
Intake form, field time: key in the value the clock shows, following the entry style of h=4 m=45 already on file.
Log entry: h=9 m=8
